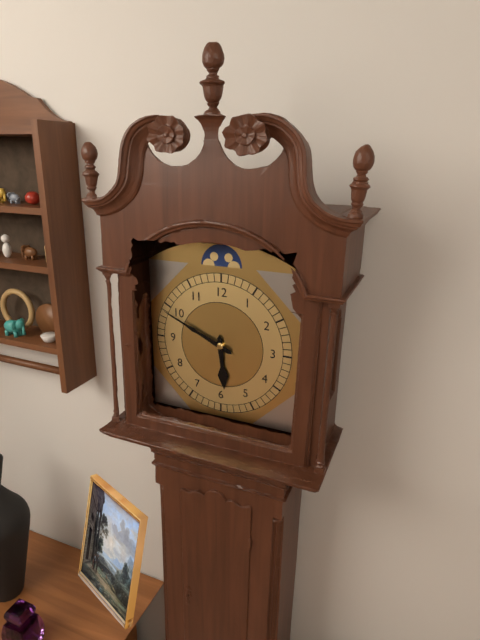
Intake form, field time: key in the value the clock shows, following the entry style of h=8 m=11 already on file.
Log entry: h=5 m=49
